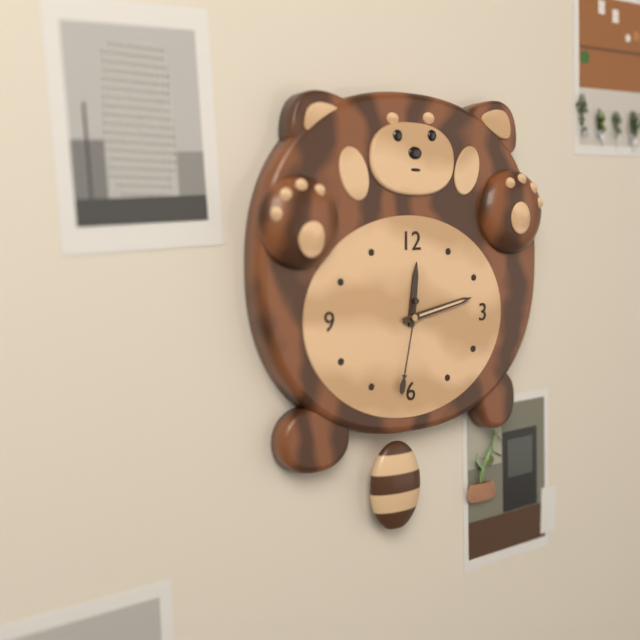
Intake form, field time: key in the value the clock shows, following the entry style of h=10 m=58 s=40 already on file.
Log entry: h=12 m=13 s=32
